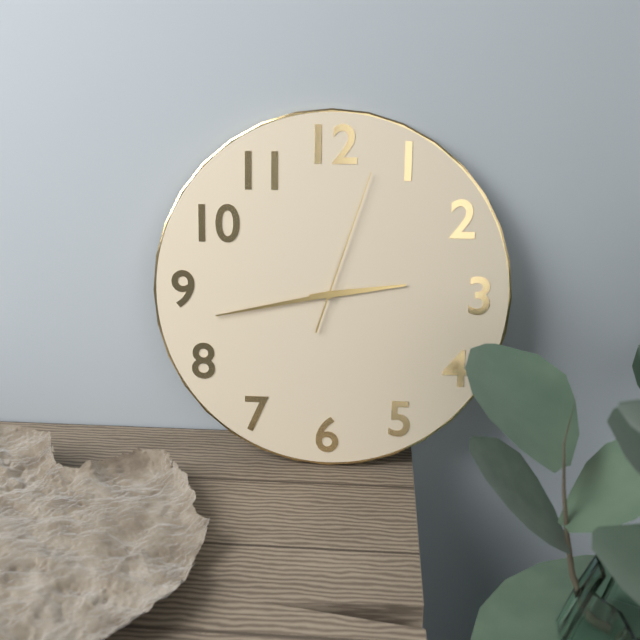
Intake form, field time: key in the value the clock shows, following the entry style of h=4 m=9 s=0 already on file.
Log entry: h=2 m=43 s=3
